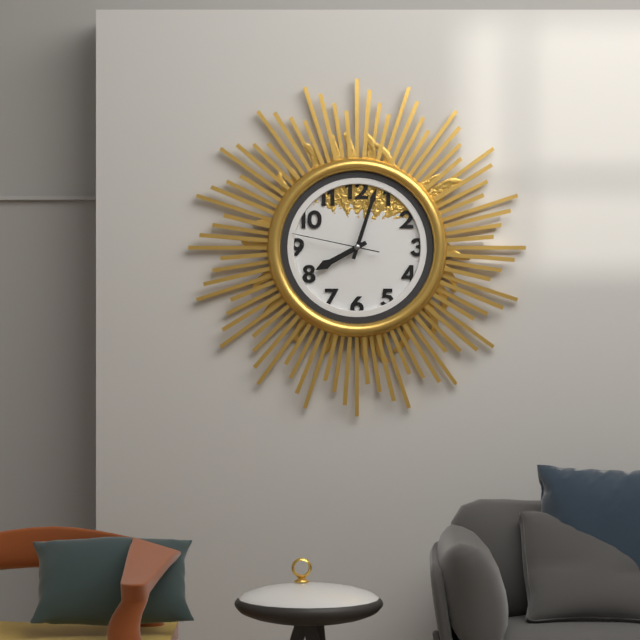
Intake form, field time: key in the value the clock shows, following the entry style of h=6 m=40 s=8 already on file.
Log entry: h=8 m=3 s=47
